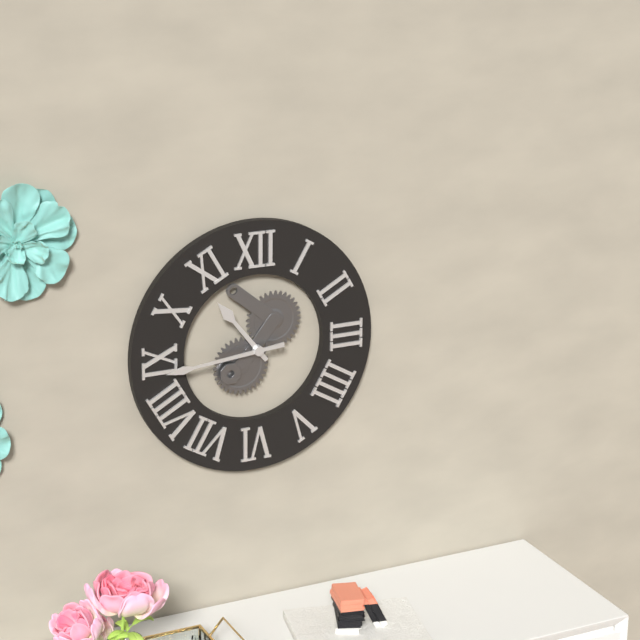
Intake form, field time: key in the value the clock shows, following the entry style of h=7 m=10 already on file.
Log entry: h=10 m=44
